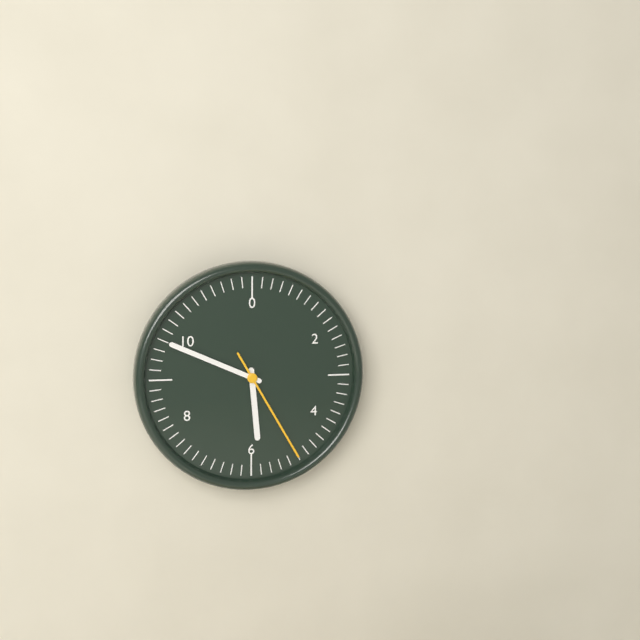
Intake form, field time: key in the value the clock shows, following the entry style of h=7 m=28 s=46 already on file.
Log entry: h=5 m=49 s=25
